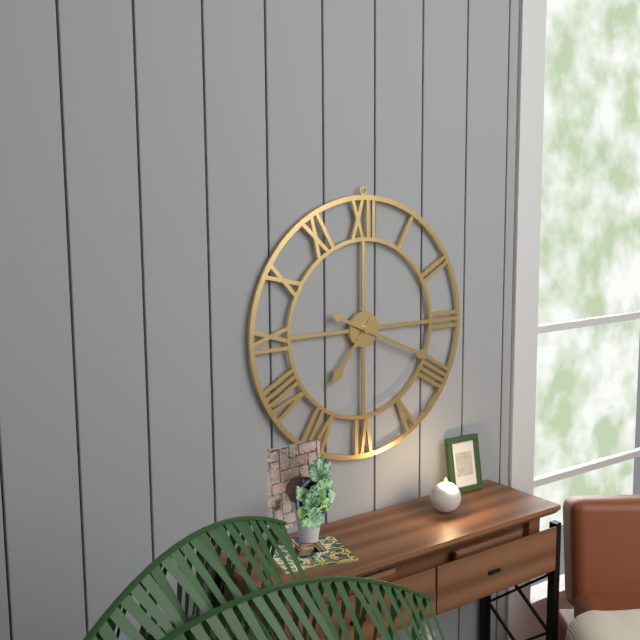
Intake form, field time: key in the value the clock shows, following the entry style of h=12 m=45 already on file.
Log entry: h=7 m=19
